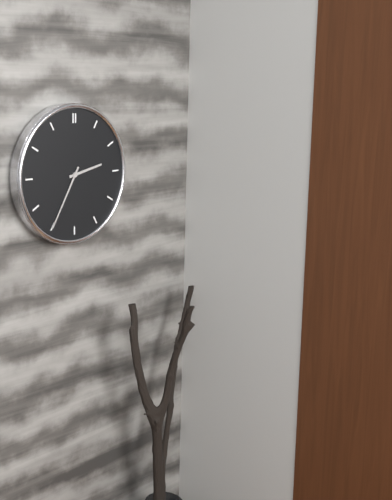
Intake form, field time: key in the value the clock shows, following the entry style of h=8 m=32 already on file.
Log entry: h=2 m=35
